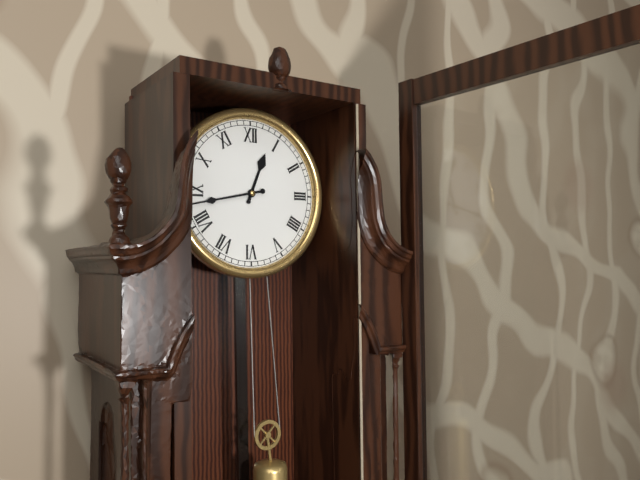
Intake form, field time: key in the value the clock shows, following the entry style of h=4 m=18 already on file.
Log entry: h=12 m=43
